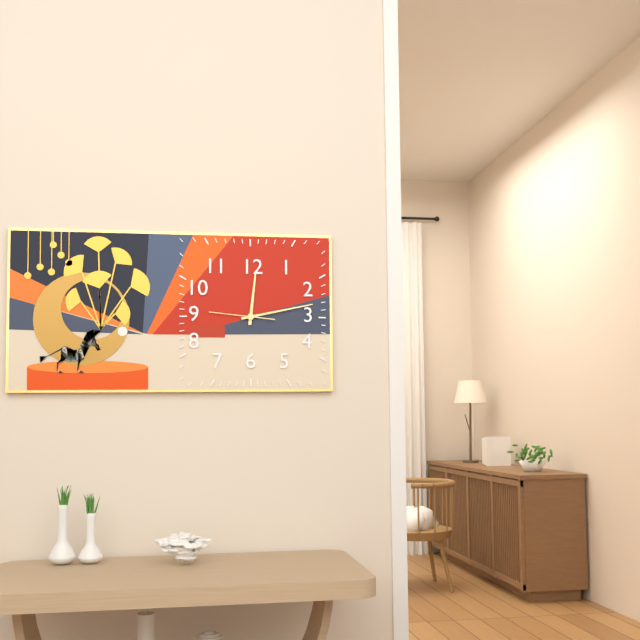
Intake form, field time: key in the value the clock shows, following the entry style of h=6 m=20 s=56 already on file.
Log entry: h=12 m=13 s=46
